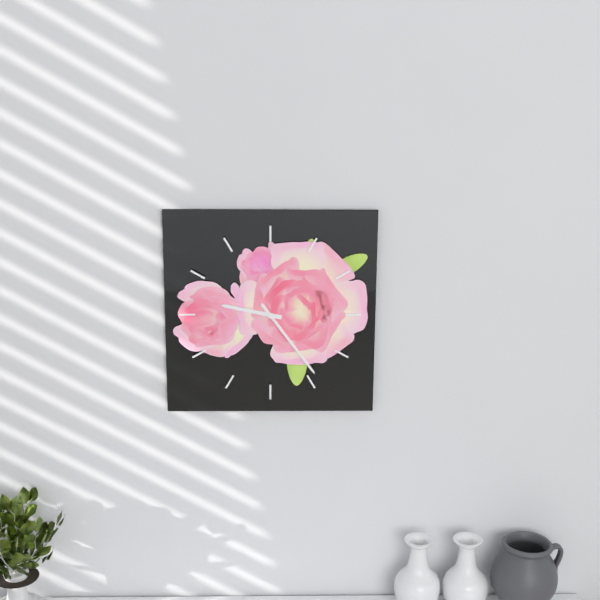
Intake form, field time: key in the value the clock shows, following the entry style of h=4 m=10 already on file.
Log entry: h=9 m=24
